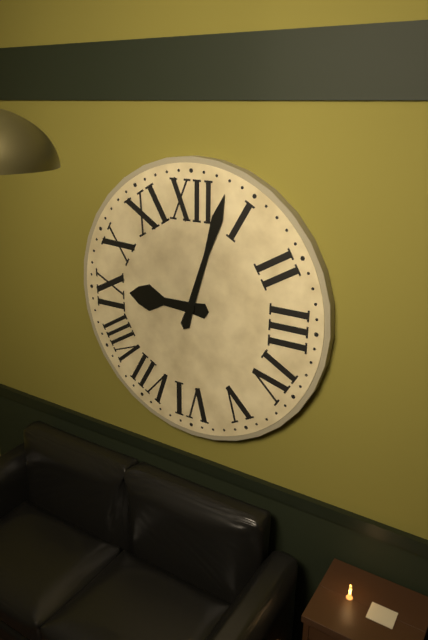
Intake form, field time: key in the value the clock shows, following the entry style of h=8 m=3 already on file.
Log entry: h=9 m=3
